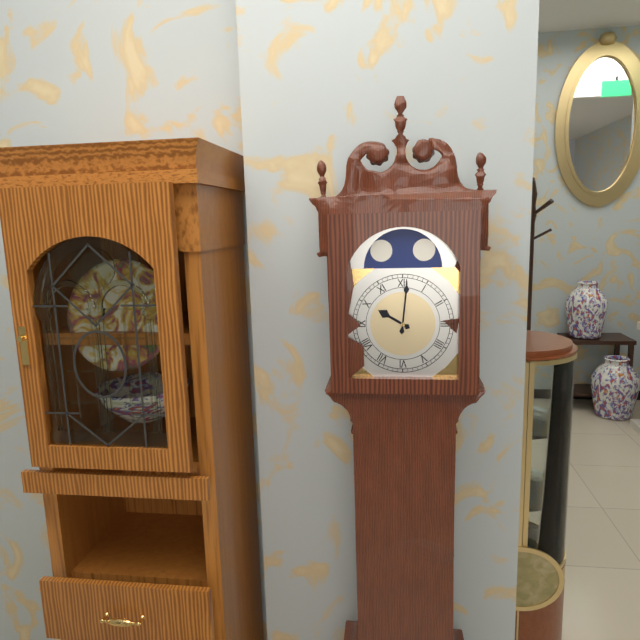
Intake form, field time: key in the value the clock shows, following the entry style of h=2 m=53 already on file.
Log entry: h=10 m=1
